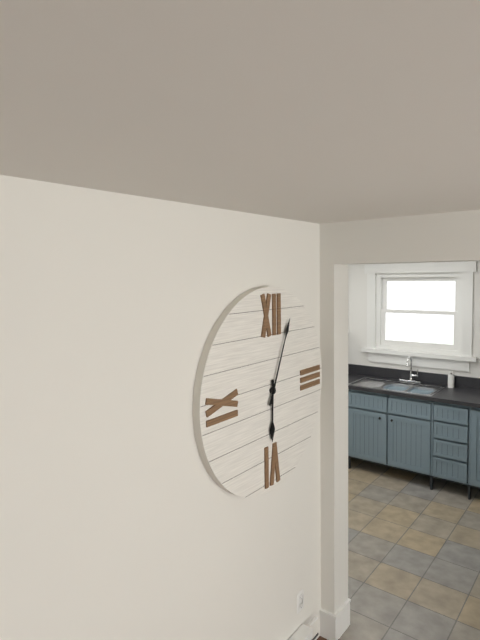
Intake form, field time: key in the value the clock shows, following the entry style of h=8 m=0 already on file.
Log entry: h=6 m=4
